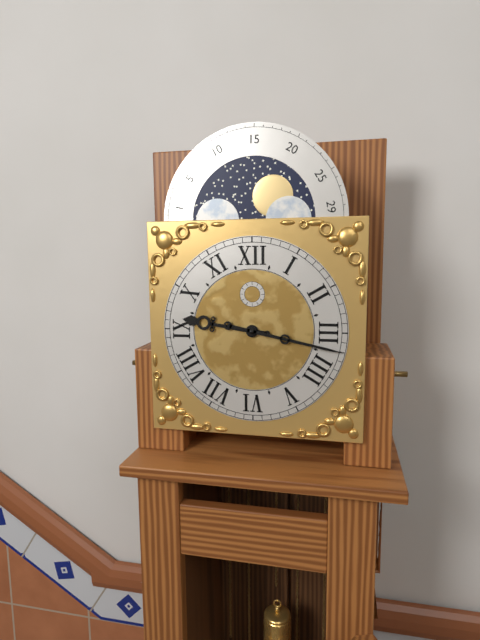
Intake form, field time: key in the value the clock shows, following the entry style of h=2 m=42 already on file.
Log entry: h=9 m=17
